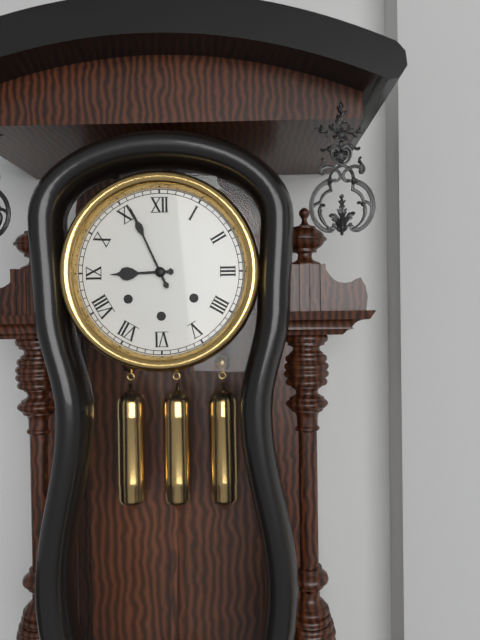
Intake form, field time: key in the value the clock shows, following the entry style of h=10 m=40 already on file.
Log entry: h=8 m=56
